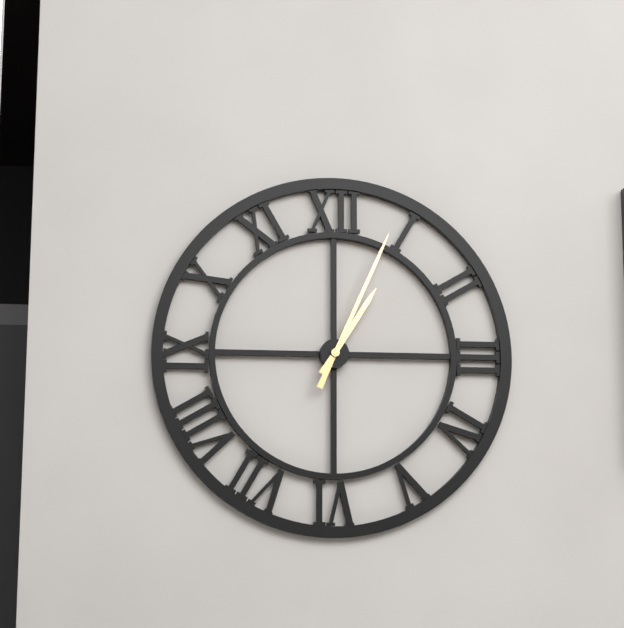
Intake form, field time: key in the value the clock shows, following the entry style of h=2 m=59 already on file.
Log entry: h=1 m=4
